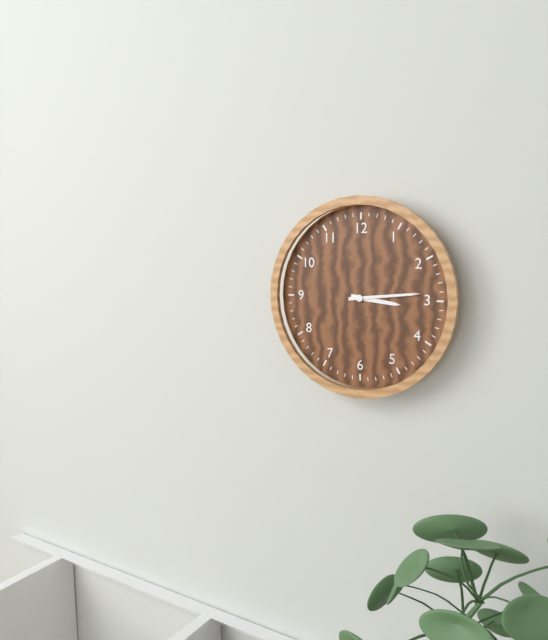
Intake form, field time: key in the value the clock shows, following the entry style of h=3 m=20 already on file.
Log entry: h=3 m=14
